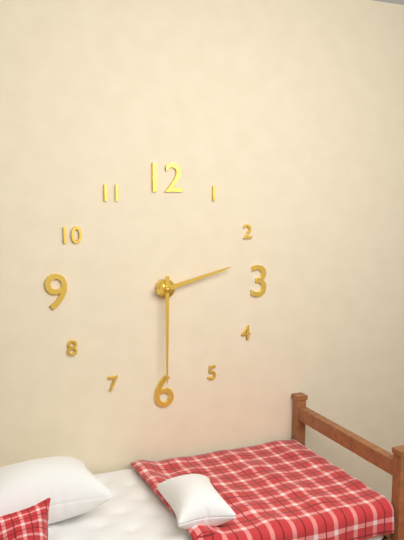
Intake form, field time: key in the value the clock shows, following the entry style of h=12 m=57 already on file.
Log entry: h=2 m=30
